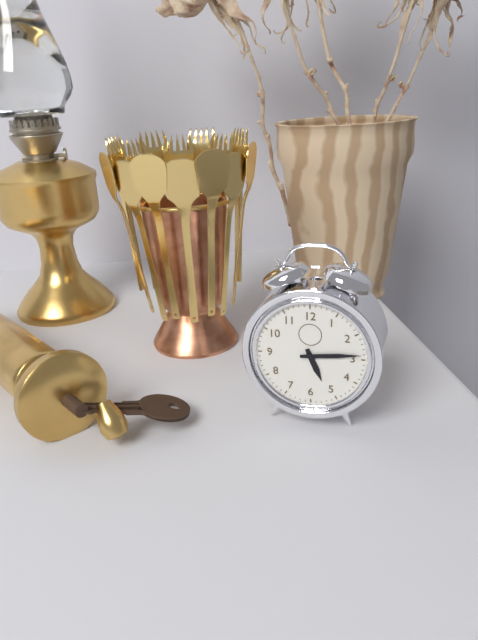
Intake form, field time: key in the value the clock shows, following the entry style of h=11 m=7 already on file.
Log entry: h=5 m=14
